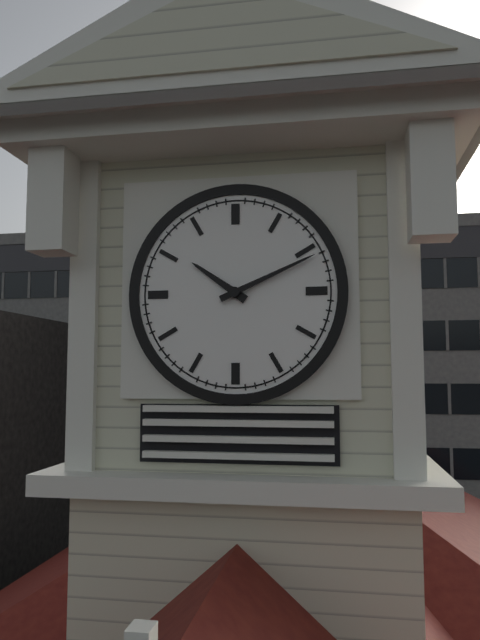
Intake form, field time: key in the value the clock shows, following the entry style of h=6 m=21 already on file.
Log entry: h=10 m=11
